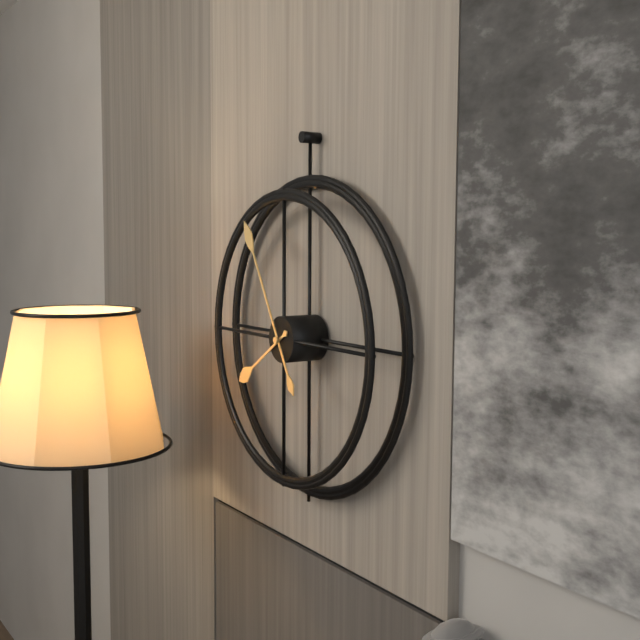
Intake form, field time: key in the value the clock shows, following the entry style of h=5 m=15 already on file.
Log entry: h=7 m=55
